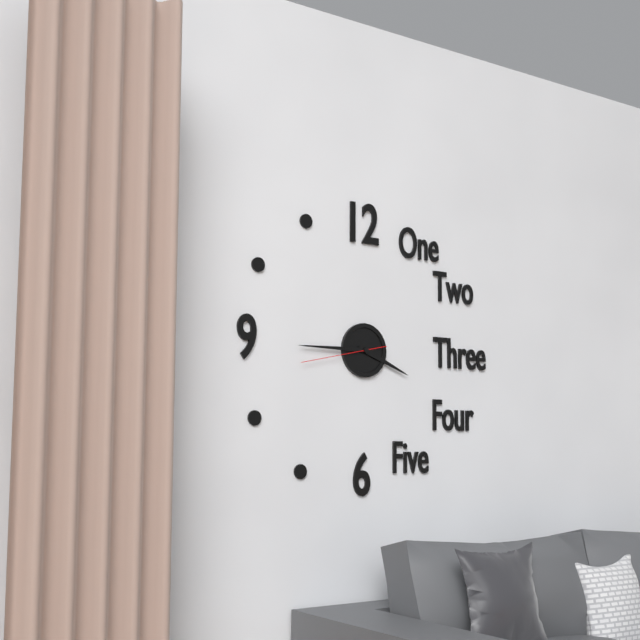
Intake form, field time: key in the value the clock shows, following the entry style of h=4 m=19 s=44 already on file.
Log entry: h=3 m=45 s=43
